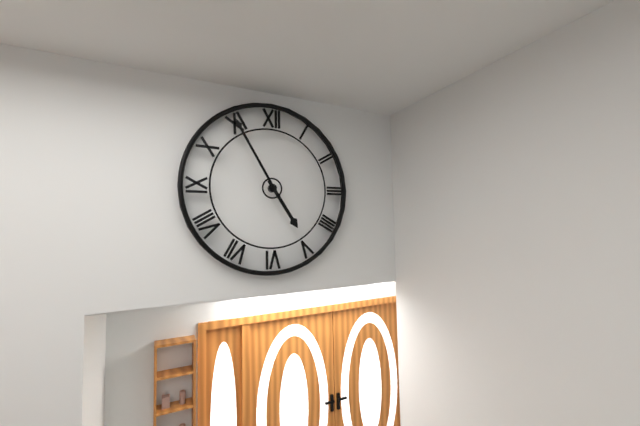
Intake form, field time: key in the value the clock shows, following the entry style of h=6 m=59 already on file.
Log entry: h=4 m=55
